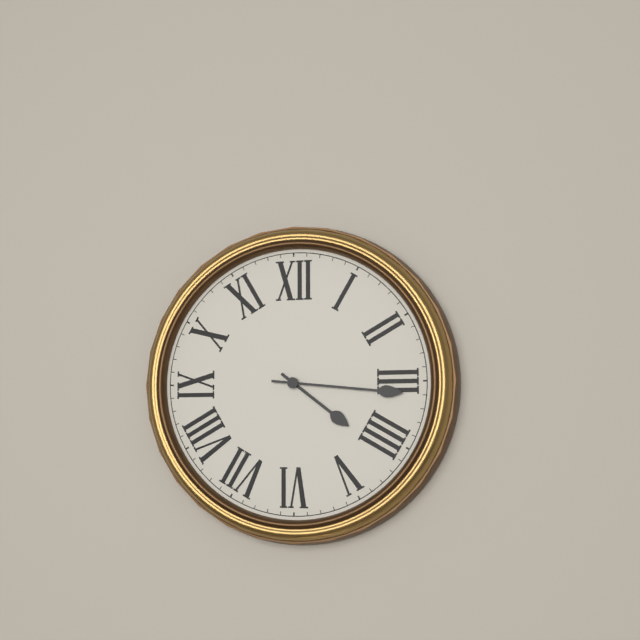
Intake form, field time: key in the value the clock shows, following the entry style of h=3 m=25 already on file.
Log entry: h=4 m=16
